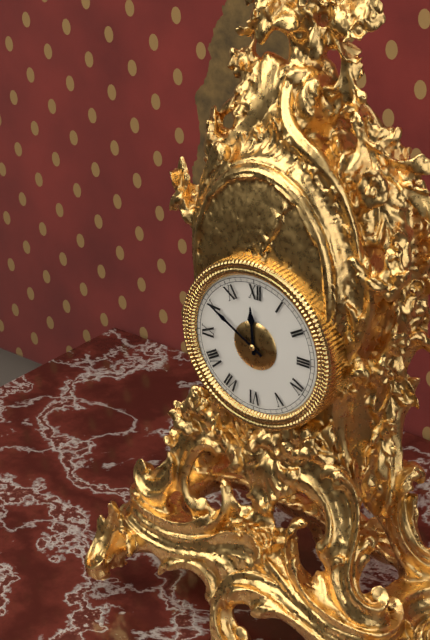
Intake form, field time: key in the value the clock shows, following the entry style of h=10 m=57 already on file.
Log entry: h=11 m=50
